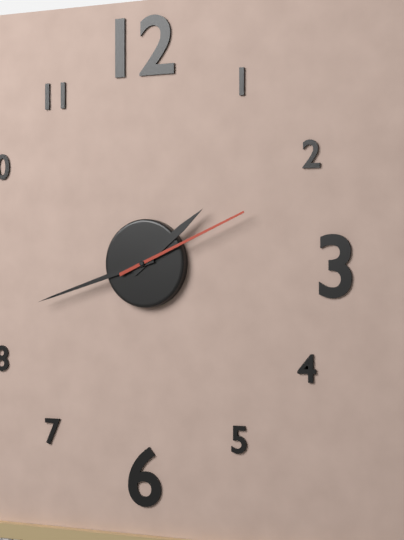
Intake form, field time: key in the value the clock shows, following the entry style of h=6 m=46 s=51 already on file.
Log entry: h=1 m=42 s=11
